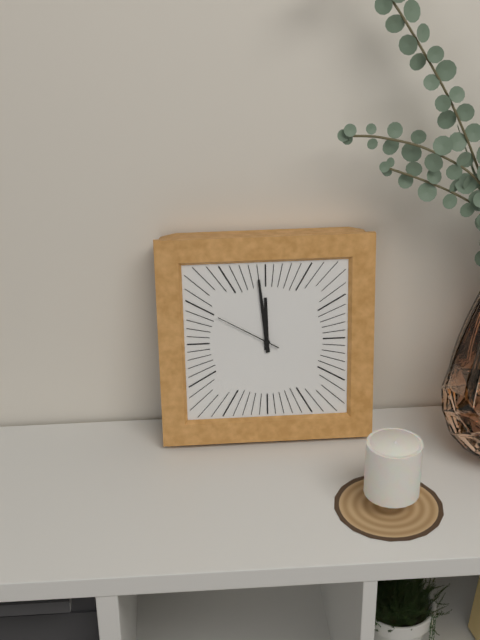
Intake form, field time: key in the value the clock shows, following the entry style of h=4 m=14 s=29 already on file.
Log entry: h=11 m=59 s=50
